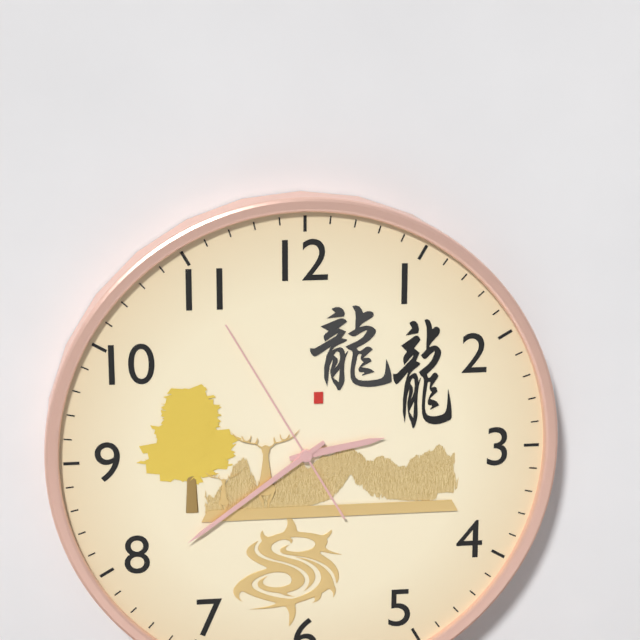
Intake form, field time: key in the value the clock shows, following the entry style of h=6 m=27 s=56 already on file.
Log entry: h=2 m=39 s=55
